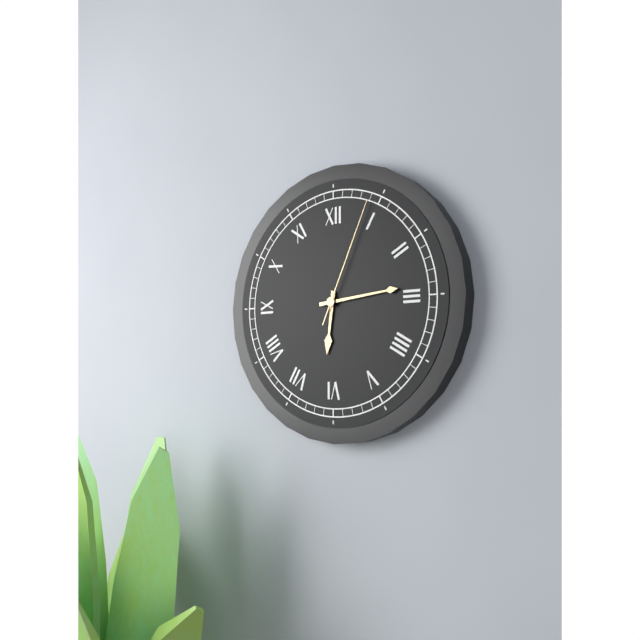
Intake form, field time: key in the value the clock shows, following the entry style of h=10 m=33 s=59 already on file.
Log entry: h=6 m=14 s=4
